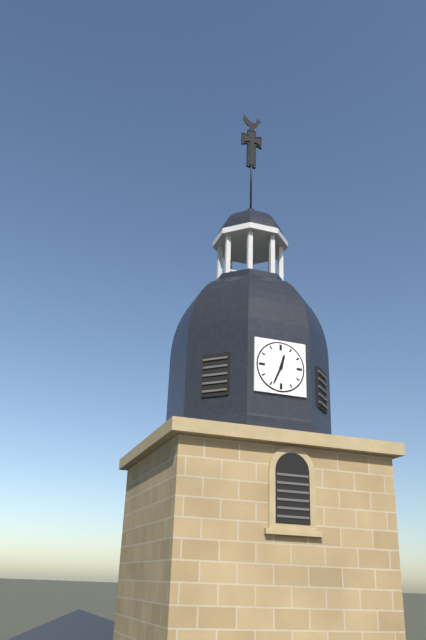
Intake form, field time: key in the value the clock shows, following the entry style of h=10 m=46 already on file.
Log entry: h=12 m=34
